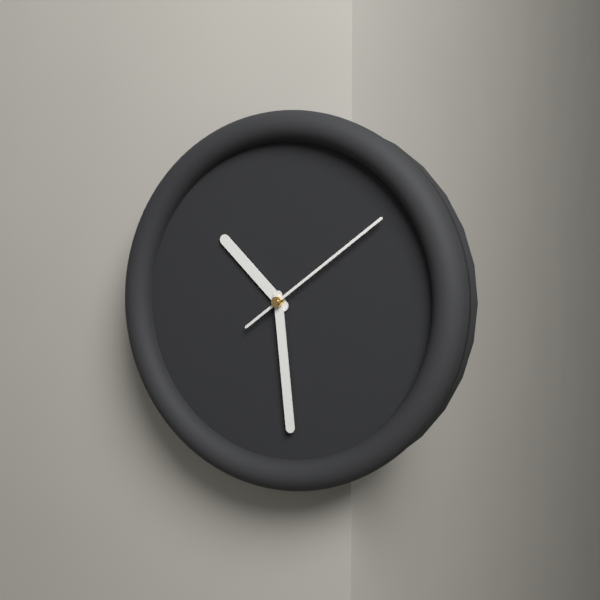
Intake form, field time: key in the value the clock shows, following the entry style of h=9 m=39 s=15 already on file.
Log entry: h=10 m=29 s=9
